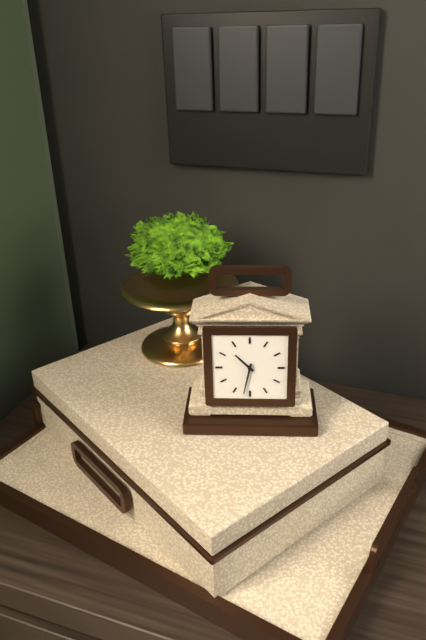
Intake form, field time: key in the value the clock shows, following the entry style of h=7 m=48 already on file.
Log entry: h=10 m=32
